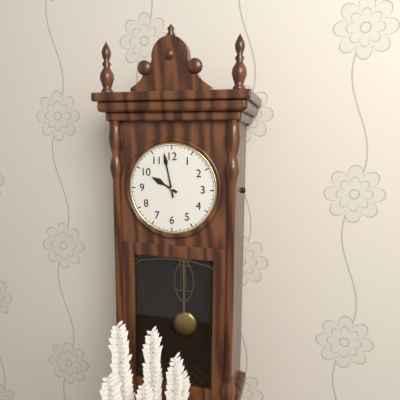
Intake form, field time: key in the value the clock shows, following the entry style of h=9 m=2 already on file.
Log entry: h=9 m=58
